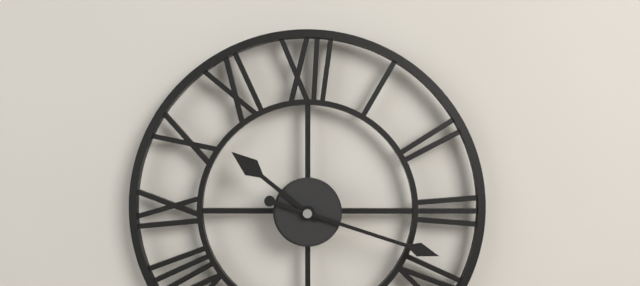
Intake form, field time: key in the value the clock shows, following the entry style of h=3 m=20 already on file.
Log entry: h=10 m=18
